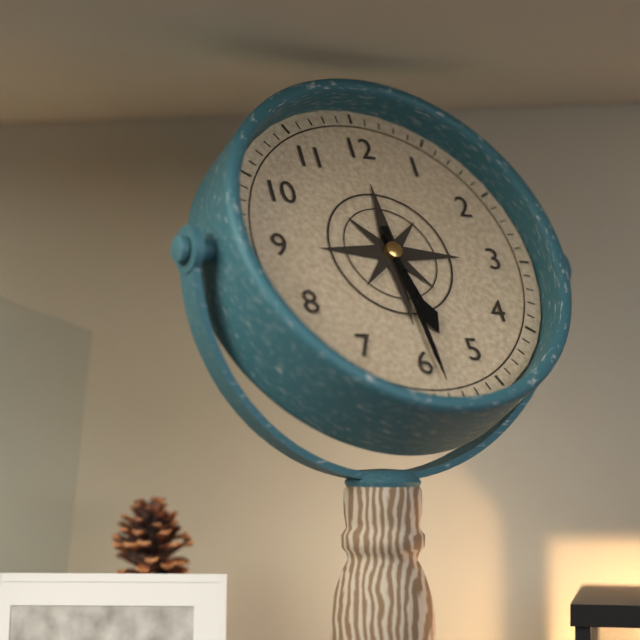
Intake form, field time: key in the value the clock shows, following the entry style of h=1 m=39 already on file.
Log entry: h=5 m=29
